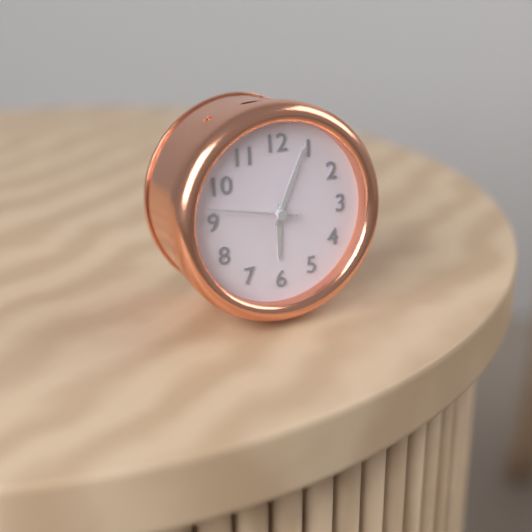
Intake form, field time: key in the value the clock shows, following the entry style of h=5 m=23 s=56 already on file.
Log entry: h=6 m=4 s=47
